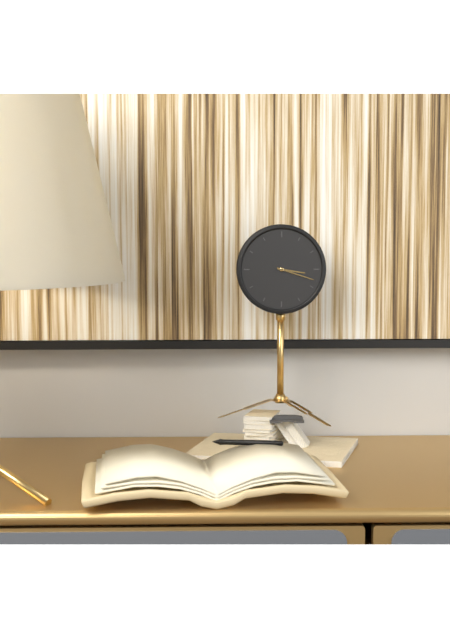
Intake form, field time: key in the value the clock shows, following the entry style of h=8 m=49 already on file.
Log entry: h=3 m=18
